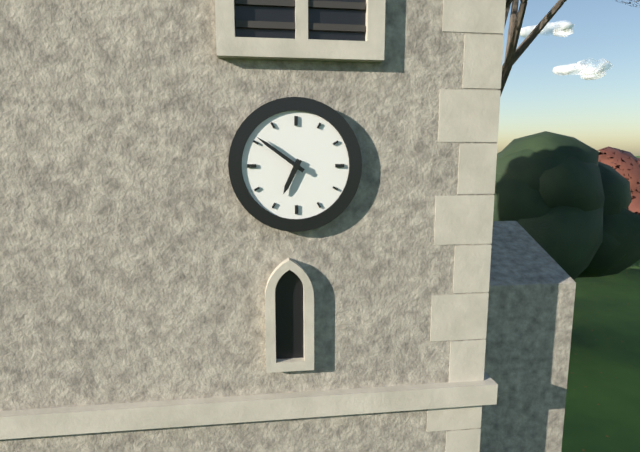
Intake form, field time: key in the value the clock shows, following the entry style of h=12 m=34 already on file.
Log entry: h=6 m=51
